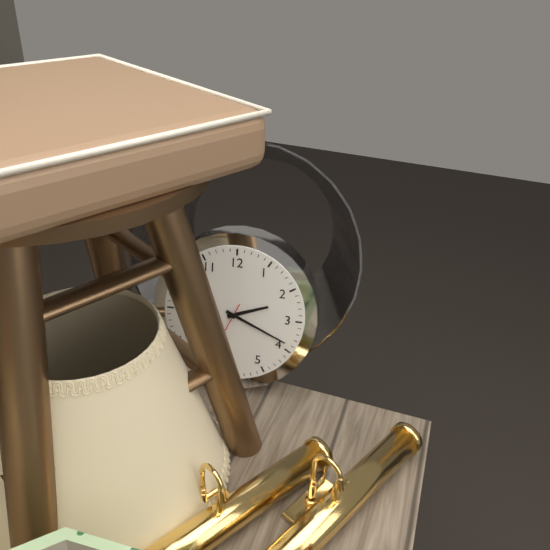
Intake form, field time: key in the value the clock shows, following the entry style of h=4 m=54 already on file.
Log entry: h=2 m=19
